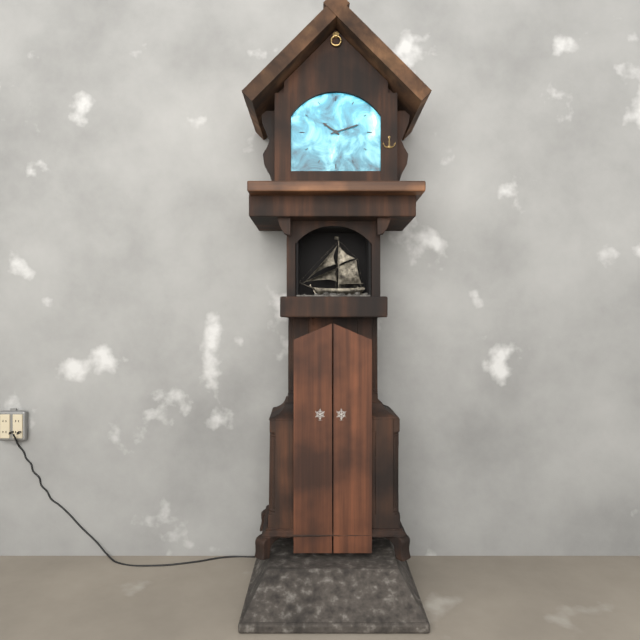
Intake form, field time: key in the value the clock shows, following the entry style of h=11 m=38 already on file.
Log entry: h=10 m=12
